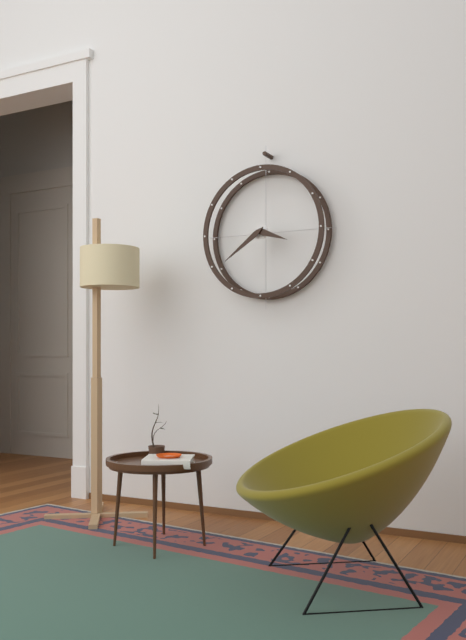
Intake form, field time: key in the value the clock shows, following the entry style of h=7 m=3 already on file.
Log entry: h=3 m=39
